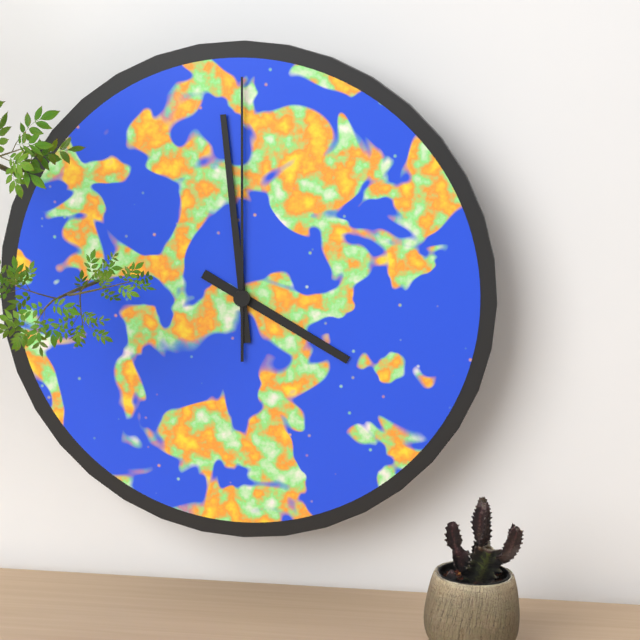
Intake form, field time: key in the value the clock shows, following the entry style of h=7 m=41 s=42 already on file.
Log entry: h=3 m=59 s=0
